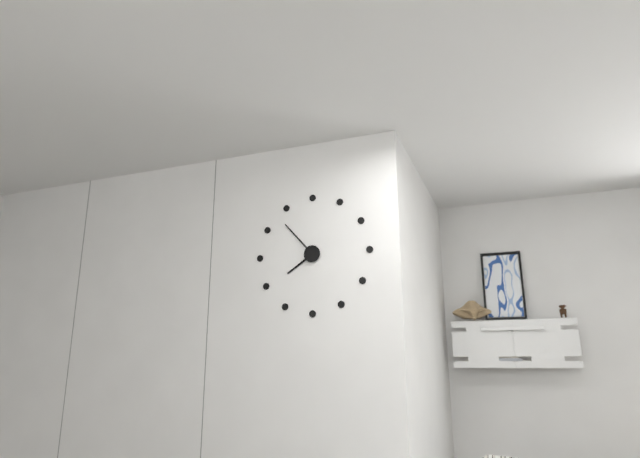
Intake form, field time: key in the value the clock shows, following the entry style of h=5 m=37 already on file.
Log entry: h=7 m=53
